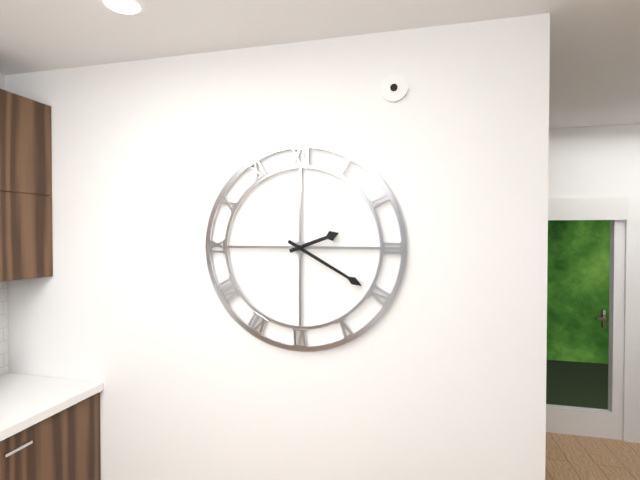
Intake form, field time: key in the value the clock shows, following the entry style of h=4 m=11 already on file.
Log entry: h=2 m=20
